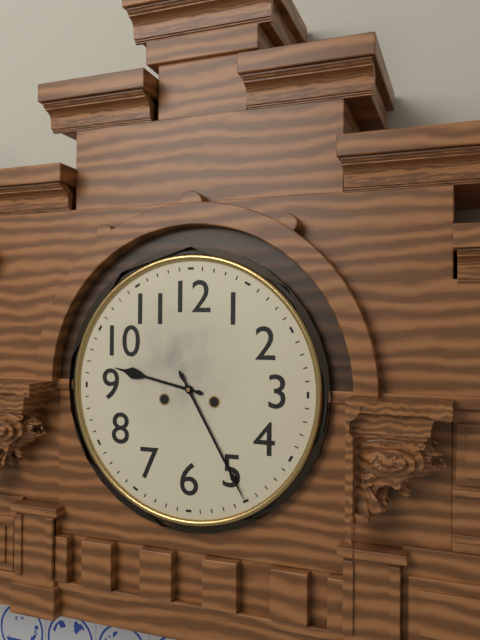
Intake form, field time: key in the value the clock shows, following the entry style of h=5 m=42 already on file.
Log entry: h=9 m=25
